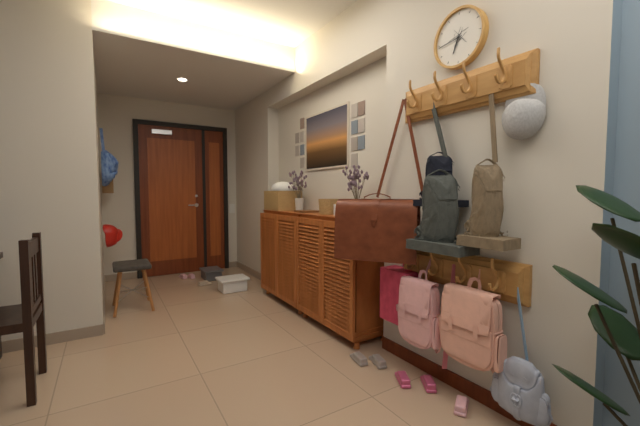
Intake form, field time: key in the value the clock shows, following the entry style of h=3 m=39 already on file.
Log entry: h=6 m=44
